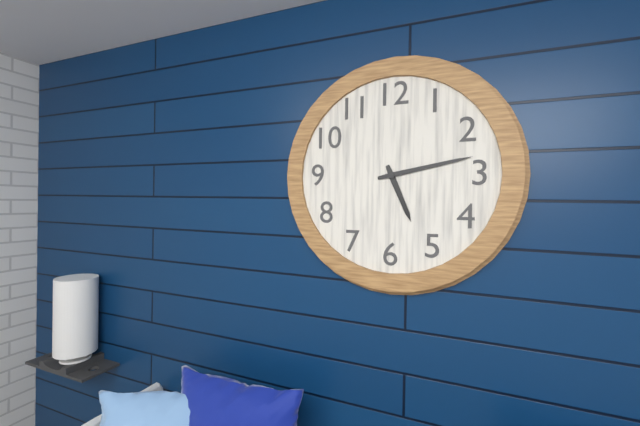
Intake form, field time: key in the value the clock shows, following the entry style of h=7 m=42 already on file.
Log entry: h=5 m=13
